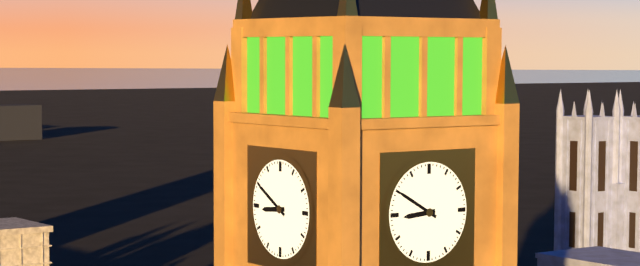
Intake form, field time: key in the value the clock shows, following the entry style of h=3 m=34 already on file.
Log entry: h=8 m=50
